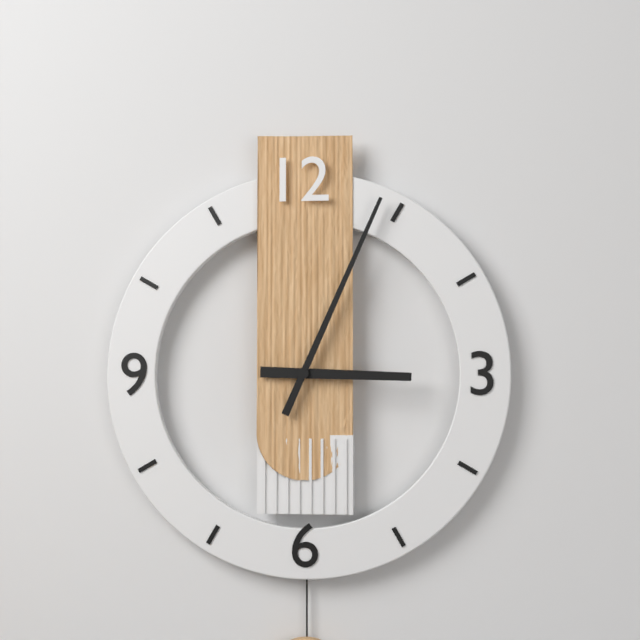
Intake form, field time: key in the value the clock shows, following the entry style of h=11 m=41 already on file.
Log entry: h=3 m=4
